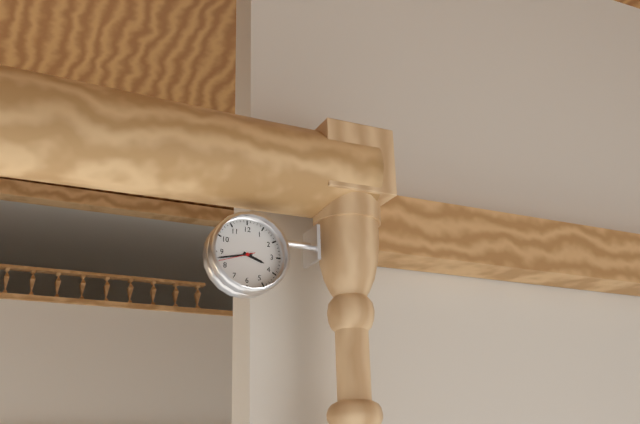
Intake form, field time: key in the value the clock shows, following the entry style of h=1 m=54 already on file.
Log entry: h=3 m=43
